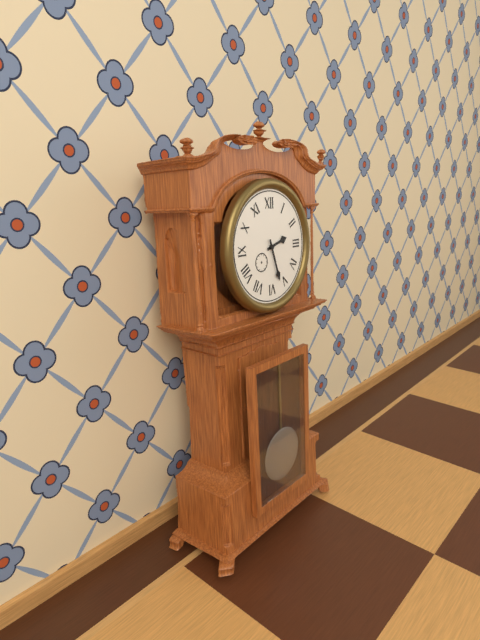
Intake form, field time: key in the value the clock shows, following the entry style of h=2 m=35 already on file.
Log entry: h=2 m=27
